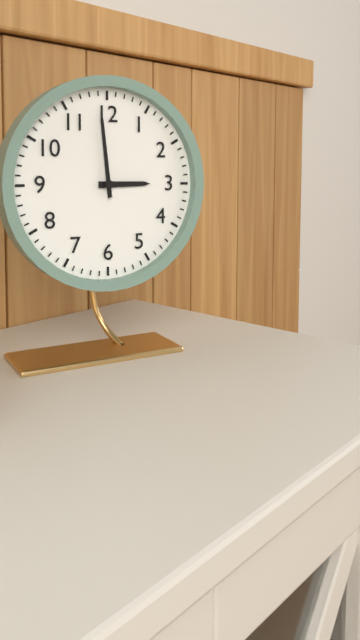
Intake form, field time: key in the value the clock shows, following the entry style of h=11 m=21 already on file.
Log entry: h=2 m=59
